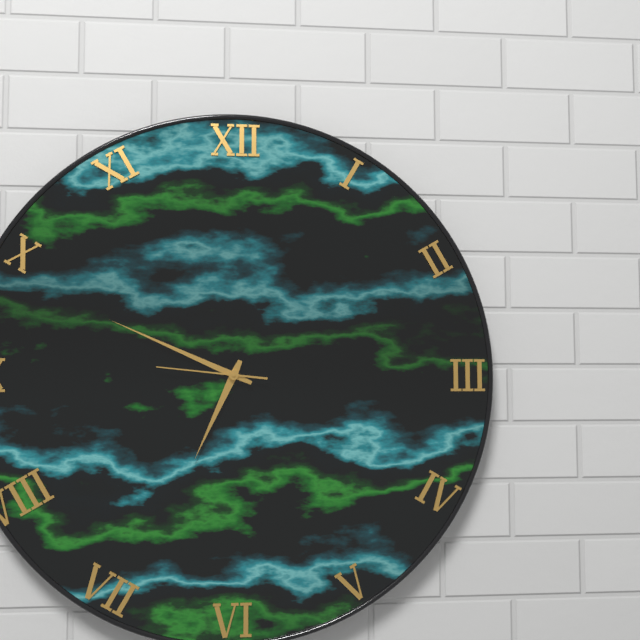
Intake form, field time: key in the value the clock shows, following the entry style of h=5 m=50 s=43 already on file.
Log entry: h=6 m=49 s=46
